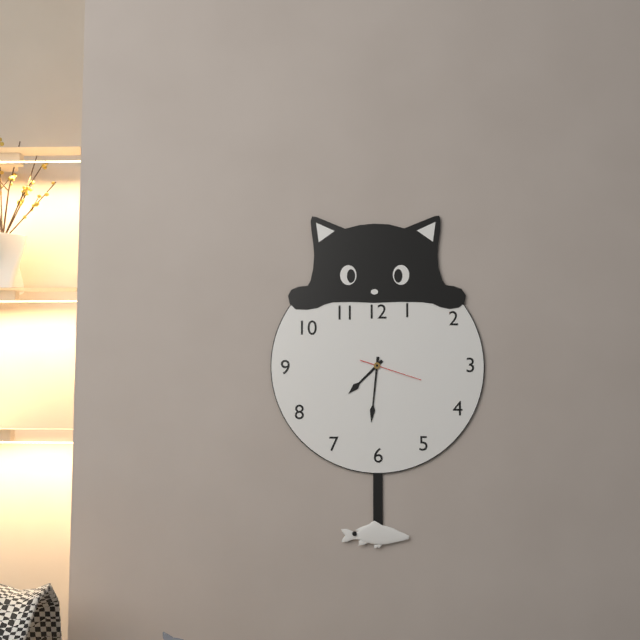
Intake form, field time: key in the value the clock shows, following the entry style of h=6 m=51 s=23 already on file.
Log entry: h=7 m=31 s=18
